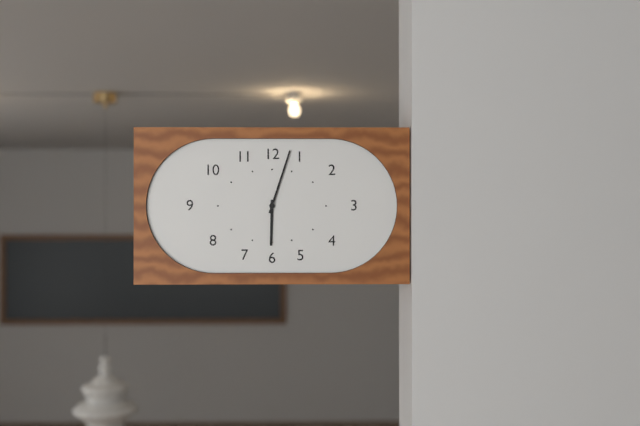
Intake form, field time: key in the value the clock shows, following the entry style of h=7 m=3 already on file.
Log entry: h=6 m=3
